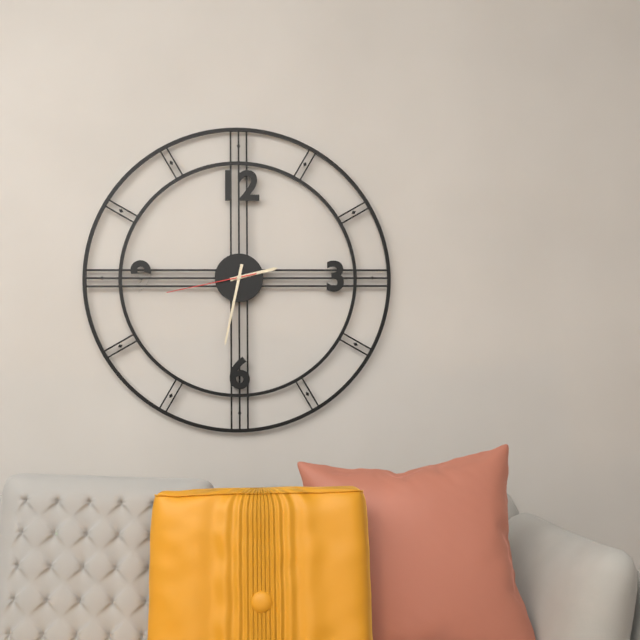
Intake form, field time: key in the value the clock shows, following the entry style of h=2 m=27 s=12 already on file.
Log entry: h=2 m=32 s=43
